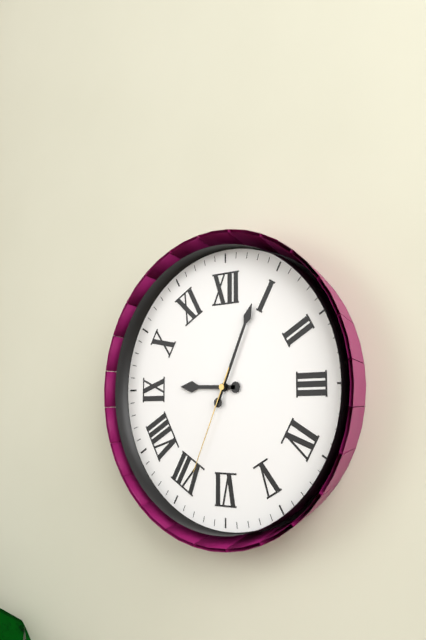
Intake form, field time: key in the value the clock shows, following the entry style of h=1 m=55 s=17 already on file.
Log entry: h=9 m=4 s=34
